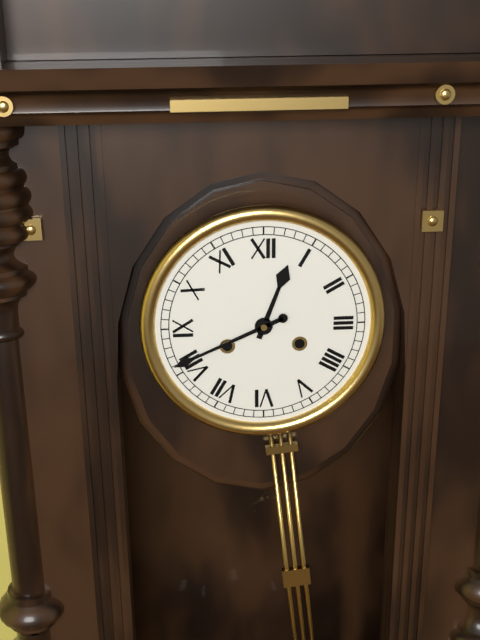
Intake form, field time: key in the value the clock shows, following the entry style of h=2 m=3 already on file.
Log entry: h=12 m=41
